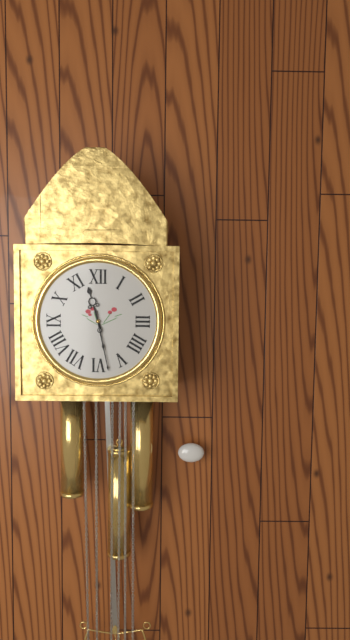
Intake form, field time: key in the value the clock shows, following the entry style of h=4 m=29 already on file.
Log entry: h=11 m=28
